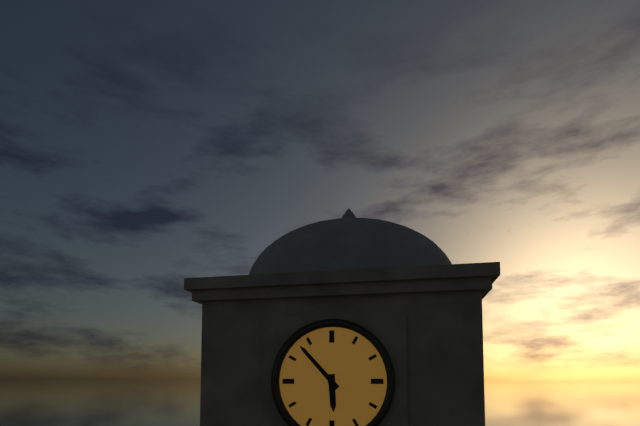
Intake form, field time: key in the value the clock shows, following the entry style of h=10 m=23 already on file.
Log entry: h=5 m=53
